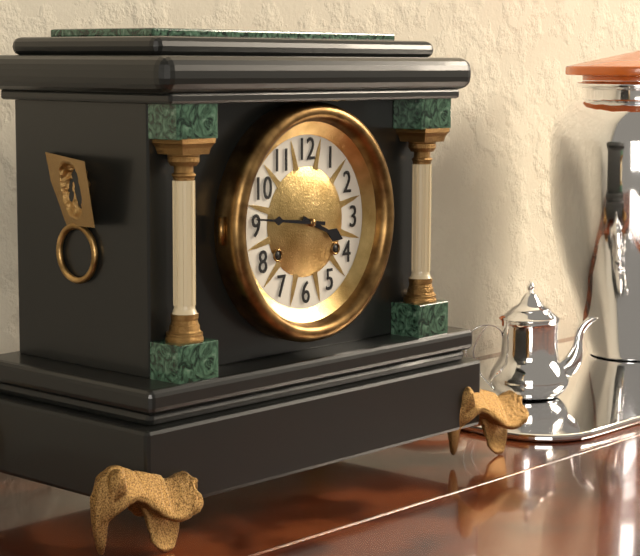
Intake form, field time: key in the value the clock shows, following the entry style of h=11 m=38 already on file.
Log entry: h=3 m=46
